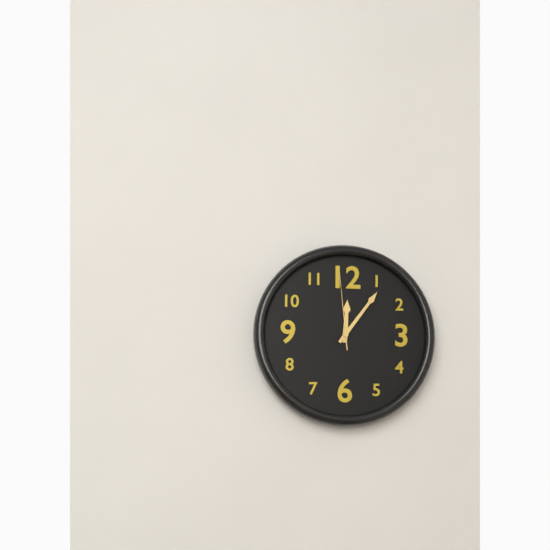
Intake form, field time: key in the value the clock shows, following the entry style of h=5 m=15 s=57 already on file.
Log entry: h=12 m=6 s=59
